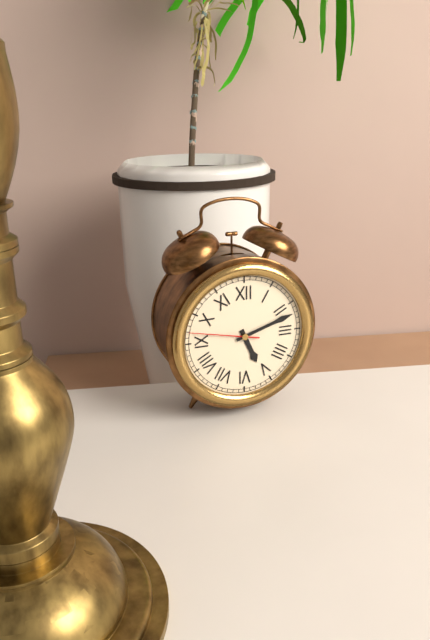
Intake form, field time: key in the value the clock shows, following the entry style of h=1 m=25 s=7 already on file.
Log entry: h=5 m=12 s=47
